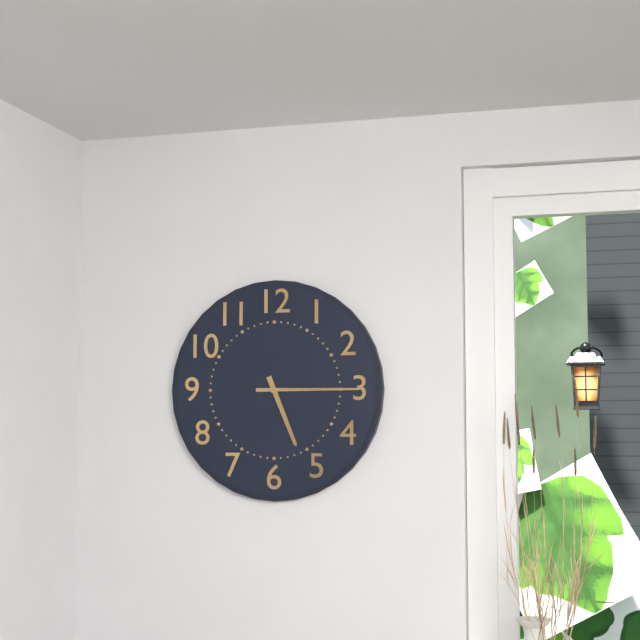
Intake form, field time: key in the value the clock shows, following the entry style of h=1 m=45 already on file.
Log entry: h=5 m=15
